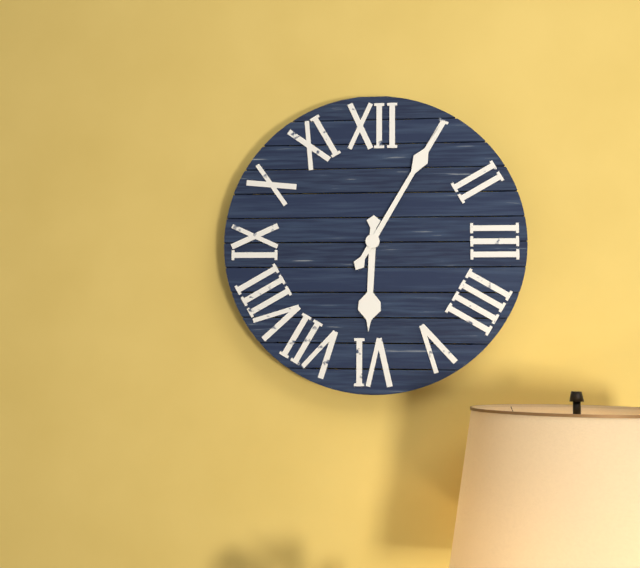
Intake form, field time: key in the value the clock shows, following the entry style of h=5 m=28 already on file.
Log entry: h=6 m=5
